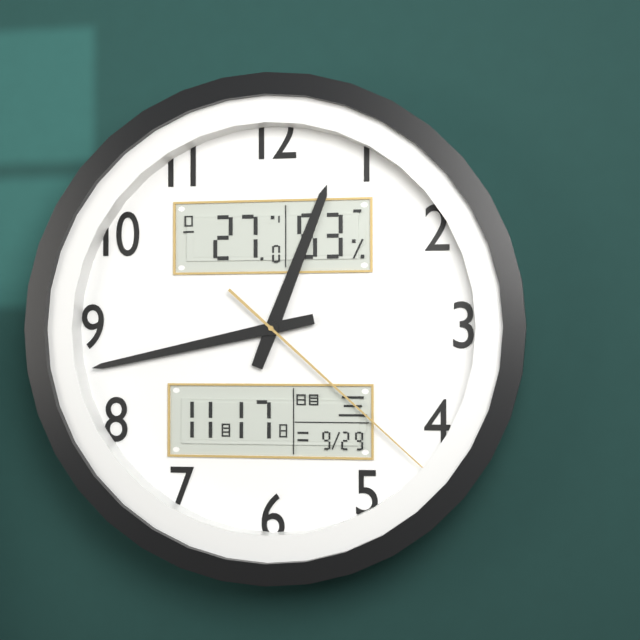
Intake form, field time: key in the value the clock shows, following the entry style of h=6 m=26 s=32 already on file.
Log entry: h=12 m=43 s=22
